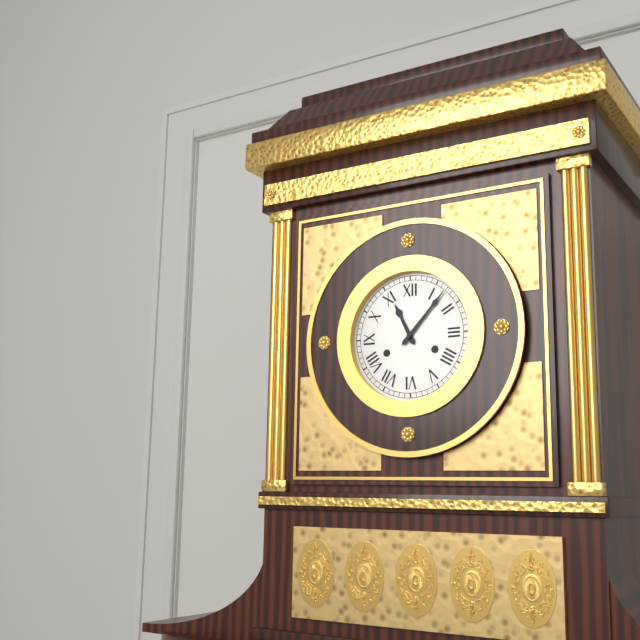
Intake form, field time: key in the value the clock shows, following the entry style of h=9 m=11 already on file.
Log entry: h=11 m=7
